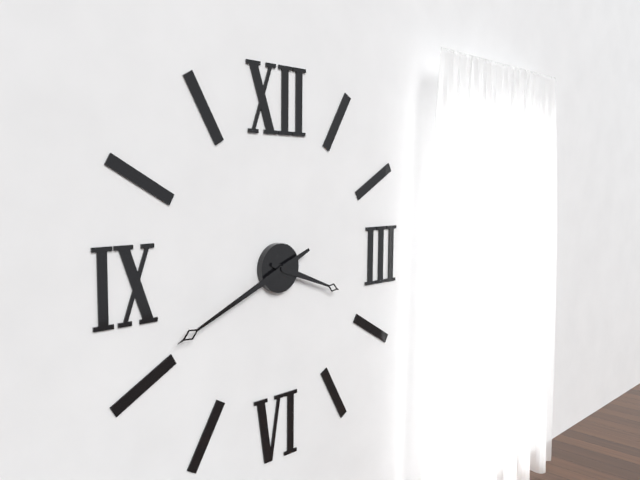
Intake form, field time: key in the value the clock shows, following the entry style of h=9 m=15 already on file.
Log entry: h=3 m=41
